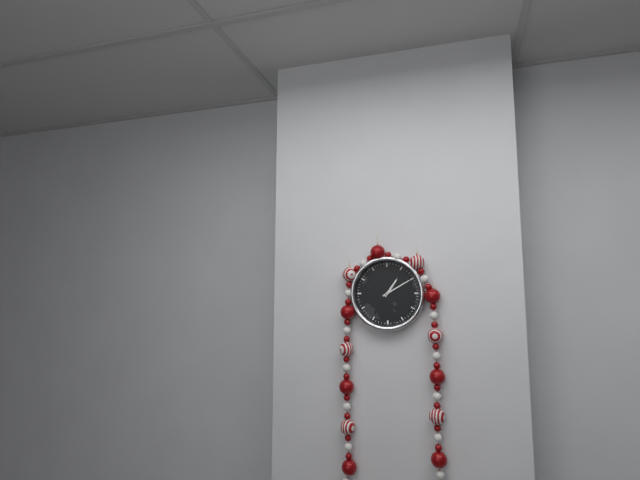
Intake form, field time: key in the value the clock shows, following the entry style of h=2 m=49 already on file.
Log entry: h=1 m=10
